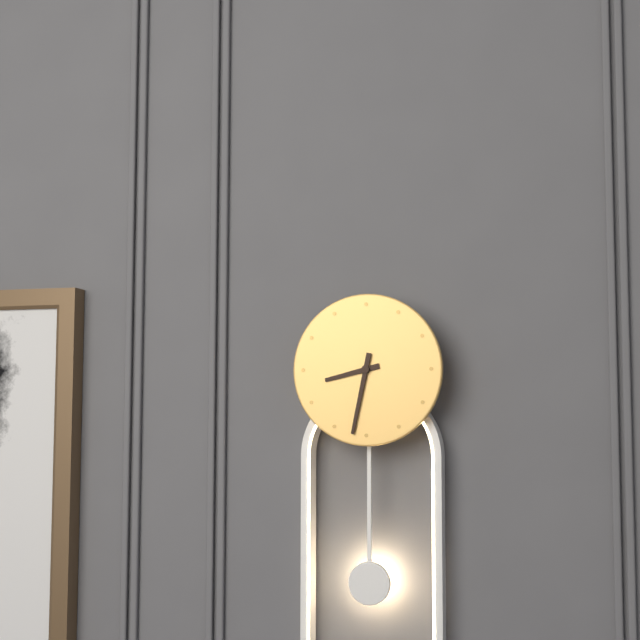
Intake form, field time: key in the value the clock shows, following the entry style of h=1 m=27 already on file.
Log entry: h=8 m=32
